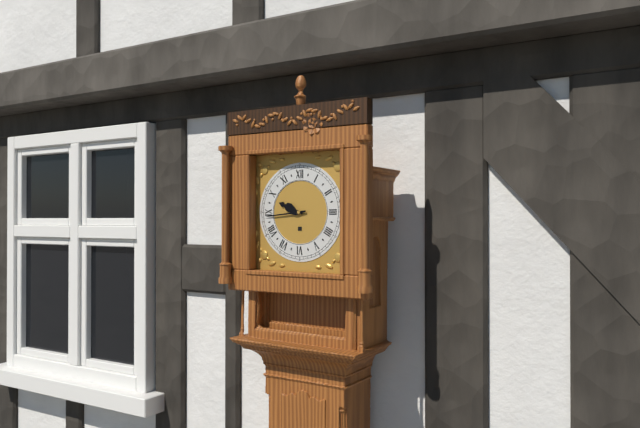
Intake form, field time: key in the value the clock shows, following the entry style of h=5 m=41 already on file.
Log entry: h=9 m=44
